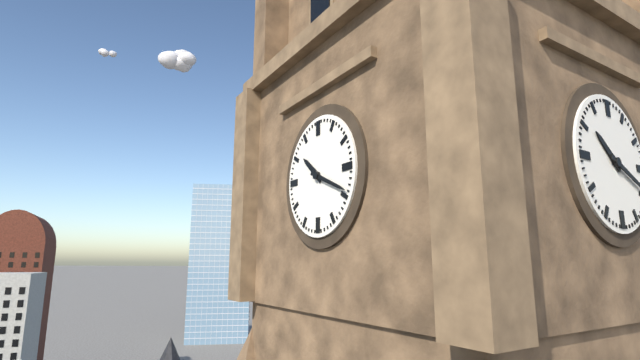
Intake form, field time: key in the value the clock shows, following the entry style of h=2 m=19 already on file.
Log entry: h=10 m=19
